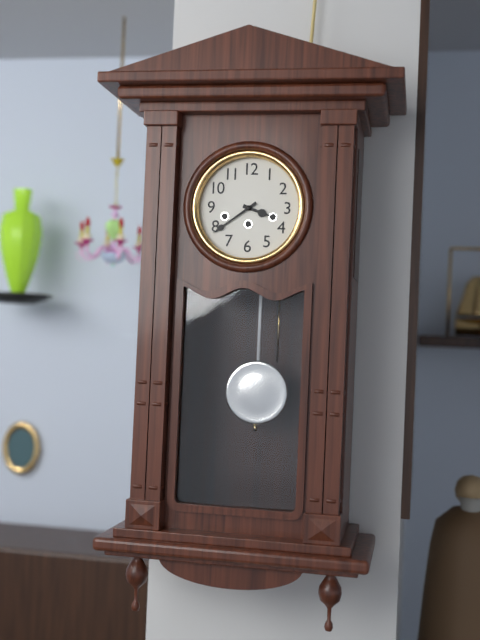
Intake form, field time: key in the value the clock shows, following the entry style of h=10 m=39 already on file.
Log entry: h=3 m=39
